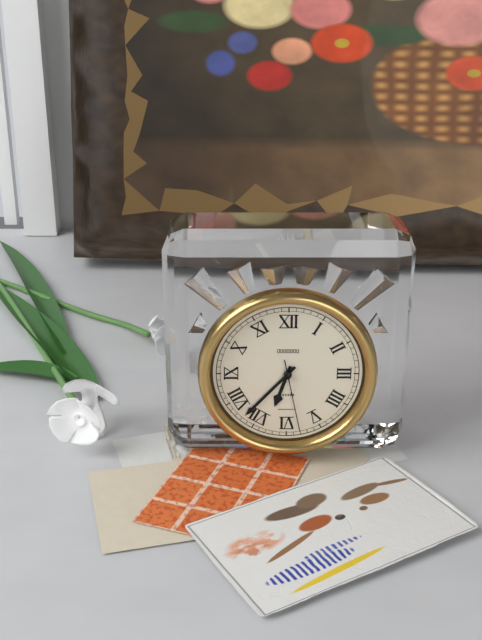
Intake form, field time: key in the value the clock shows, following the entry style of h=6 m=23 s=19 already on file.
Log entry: h=6 m=37 s=28
